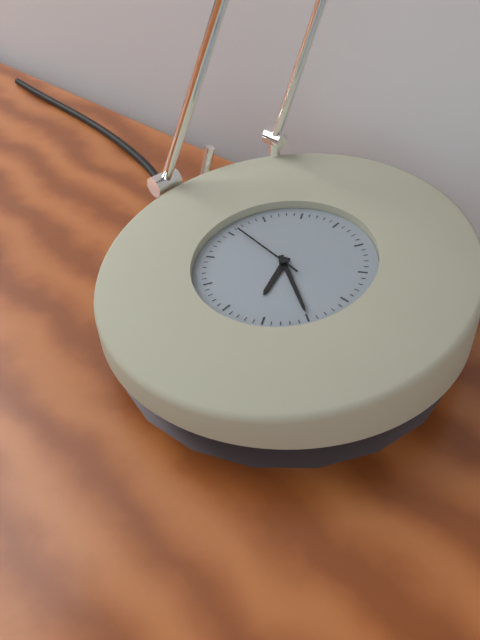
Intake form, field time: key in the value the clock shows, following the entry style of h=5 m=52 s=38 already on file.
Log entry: h=5 m=20 s=46
